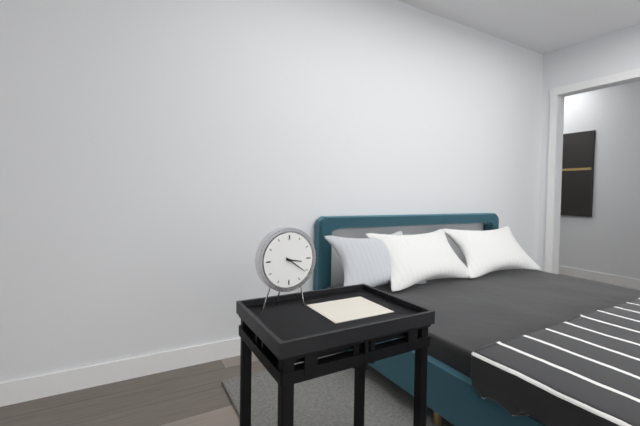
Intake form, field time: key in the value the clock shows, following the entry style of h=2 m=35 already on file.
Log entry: h=3 m=21
